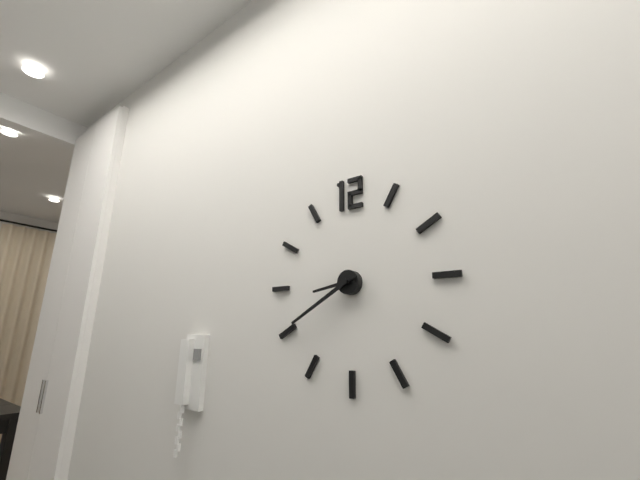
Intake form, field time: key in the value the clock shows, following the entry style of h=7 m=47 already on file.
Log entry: h=8 m=40
